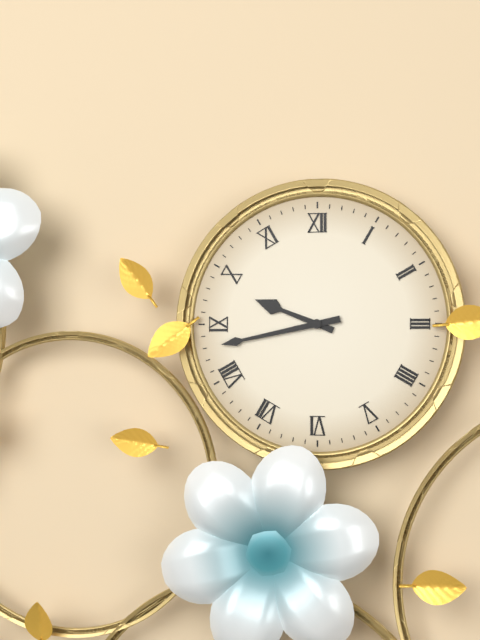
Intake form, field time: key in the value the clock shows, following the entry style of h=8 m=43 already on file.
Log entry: h=9 m=43
